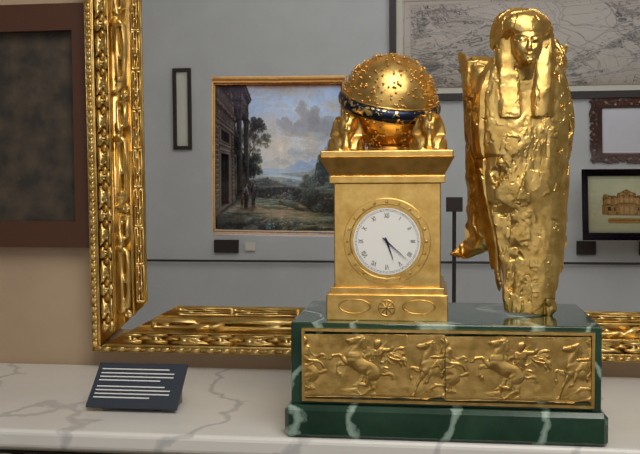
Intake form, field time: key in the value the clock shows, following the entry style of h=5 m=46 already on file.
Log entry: h=5 m=22
